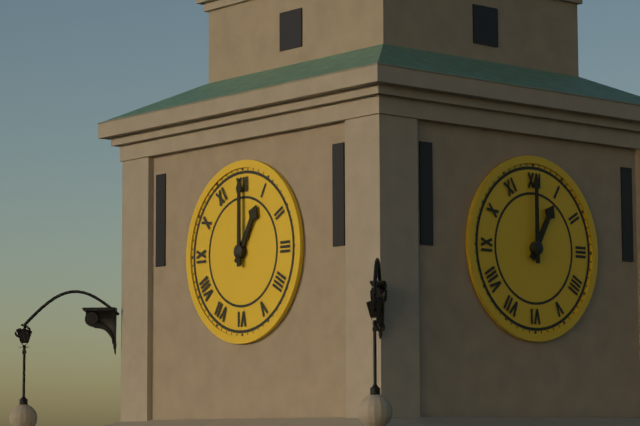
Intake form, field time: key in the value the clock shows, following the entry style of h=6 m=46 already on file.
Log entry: h=1 m=0
